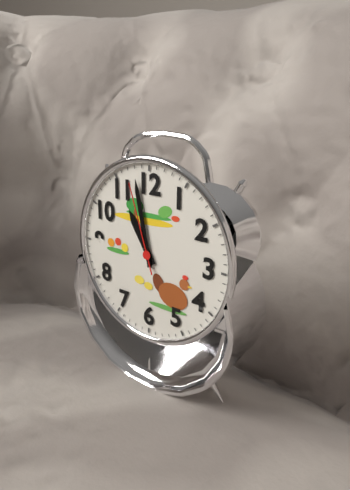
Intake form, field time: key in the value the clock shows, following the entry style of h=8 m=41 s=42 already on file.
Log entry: h=10 m=58 s=57
